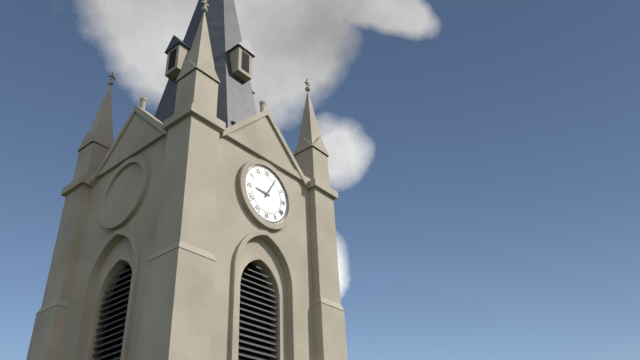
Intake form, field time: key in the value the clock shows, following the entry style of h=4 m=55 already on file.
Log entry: h=9 m=5
